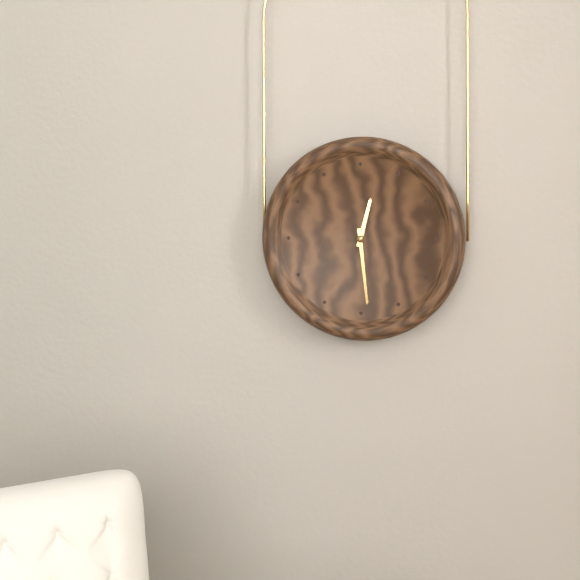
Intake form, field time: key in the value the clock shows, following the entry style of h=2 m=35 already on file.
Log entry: h=12 m=29
